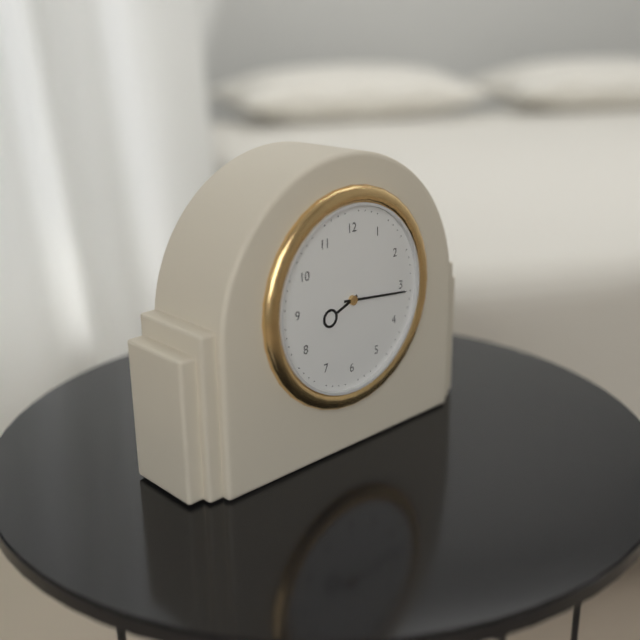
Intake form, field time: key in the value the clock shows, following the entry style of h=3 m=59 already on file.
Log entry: h=8 m=16
